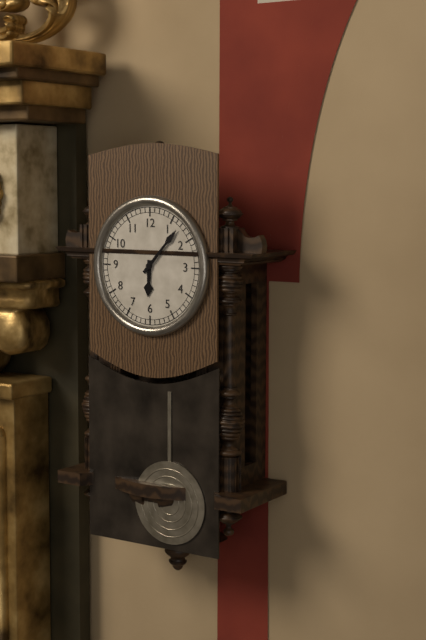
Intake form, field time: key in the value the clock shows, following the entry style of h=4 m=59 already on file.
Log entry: h=6 m=7
